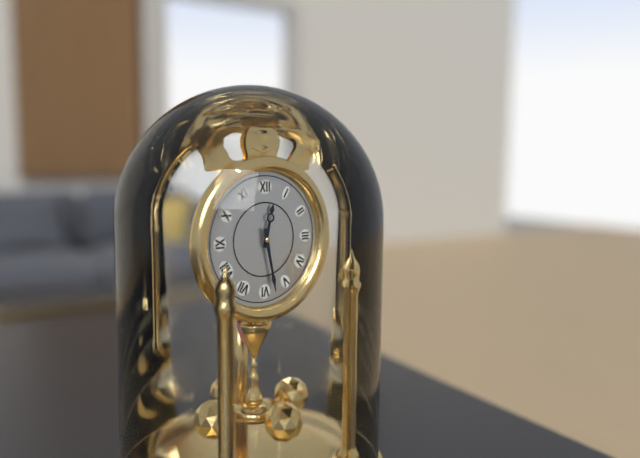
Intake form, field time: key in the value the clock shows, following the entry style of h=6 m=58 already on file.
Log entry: h=12 m=28
